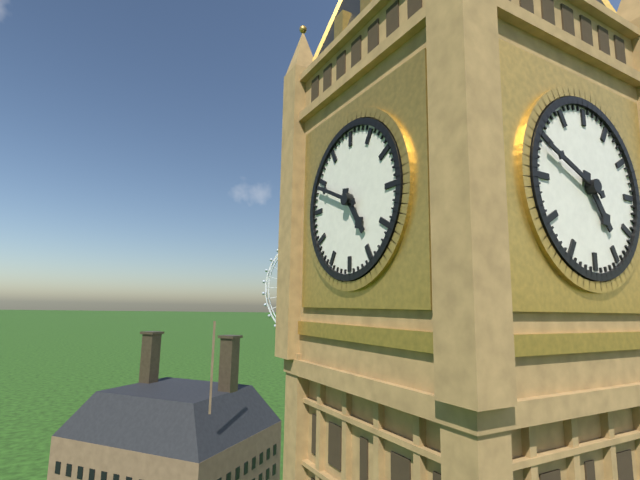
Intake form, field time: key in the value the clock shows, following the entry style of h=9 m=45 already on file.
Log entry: h=4 m=49
